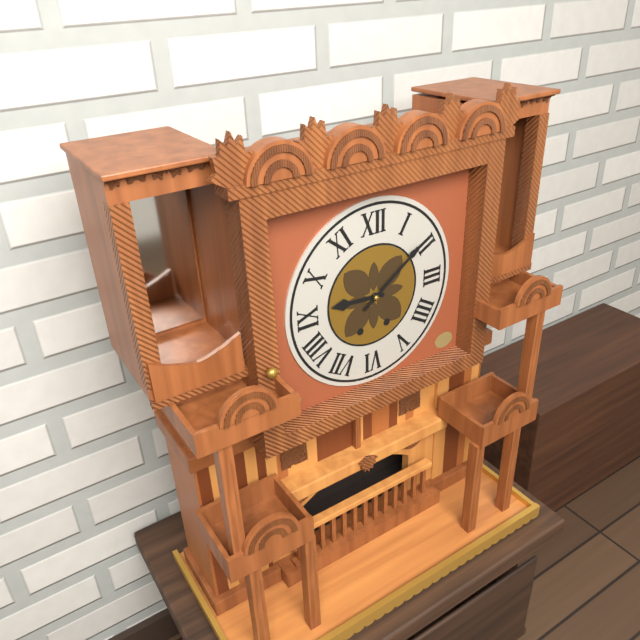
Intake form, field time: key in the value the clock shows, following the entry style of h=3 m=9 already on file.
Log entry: h=9 m=9
